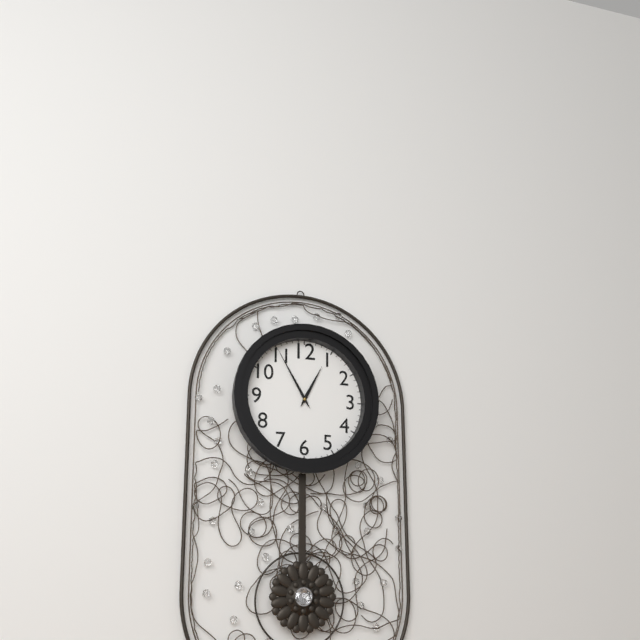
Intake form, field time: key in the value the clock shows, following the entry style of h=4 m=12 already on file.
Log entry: h=12 m=55
